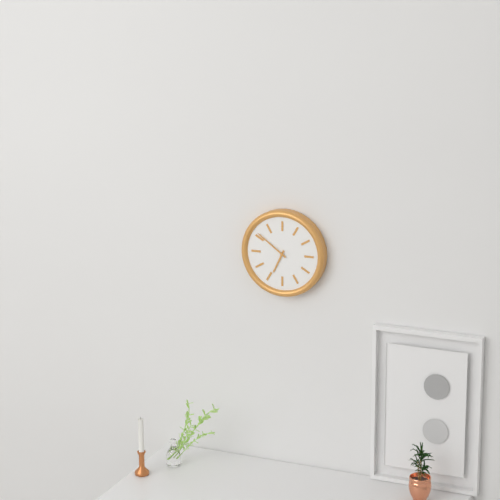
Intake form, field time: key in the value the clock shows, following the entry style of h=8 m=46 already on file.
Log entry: h=6 m=51
